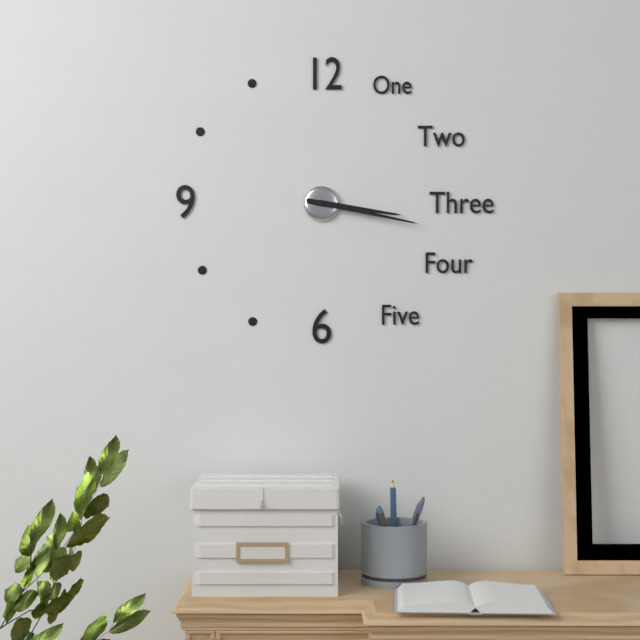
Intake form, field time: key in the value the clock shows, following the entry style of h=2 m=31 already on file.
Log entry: h=3 m=17
